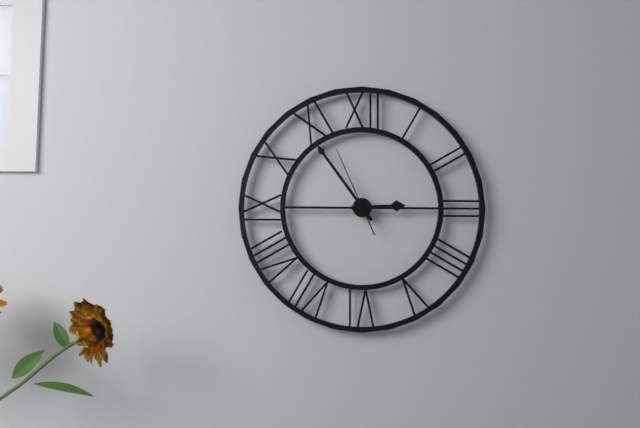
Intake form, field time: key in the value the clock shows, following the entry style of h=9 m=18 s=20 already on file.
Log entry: h=2 m=54 s=56
